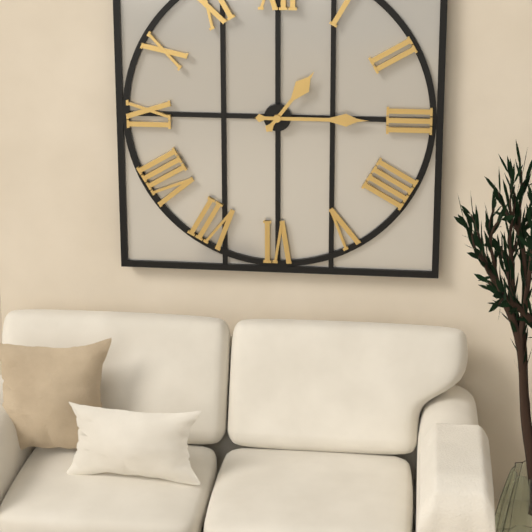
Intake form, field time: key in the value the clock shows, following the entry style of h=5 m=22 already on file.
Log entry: h=1 m=15
